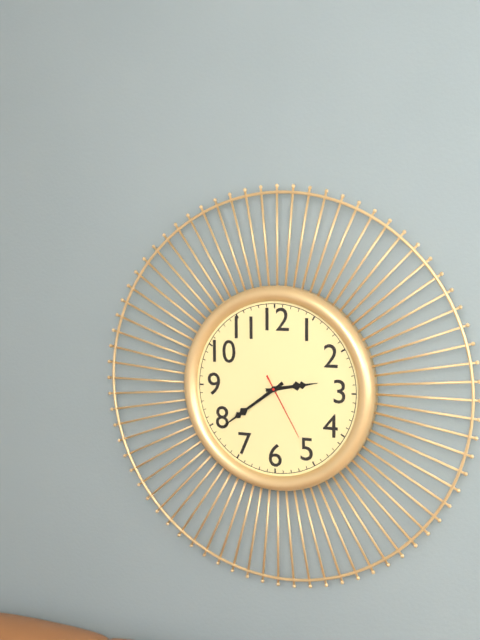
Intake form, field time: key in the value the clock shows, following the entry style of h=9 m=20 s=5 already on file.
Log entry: h=2 m=39 s=25
